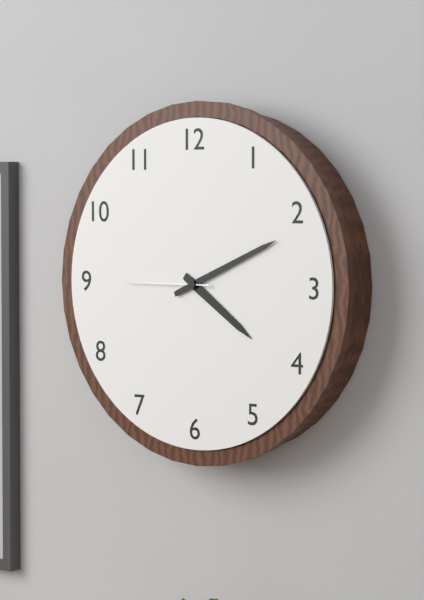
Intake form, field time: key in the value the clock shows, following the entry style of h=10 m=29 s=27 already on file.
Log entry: h=4 m=11 s=45
